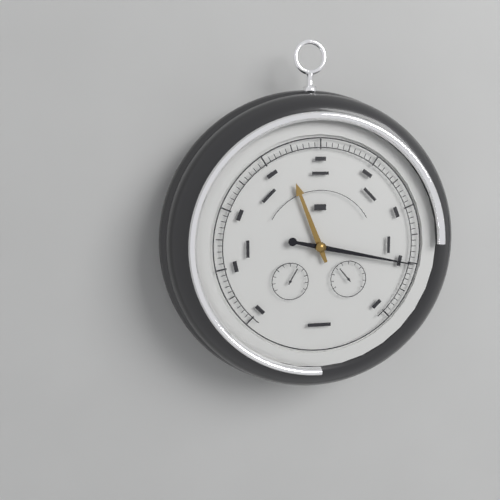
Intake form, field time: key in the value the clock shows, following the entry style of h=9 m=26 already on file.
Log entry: h=11 m=17
